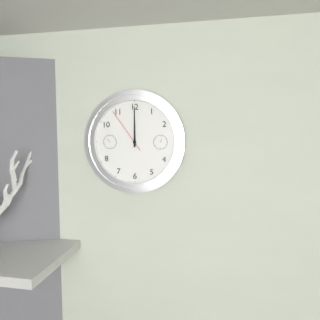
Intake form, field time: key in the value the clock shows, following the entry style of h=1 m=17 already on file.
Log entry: h=12 m=0
